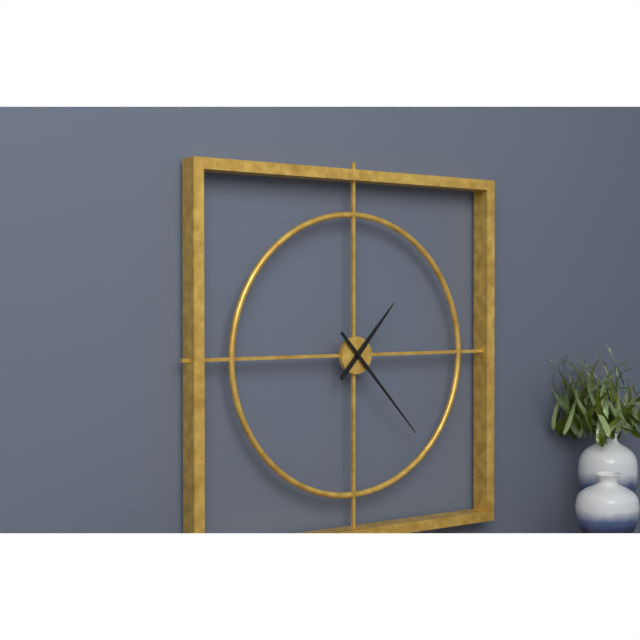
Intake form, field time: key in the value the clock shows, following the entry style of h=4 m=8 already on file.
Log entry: h=1 m=23
